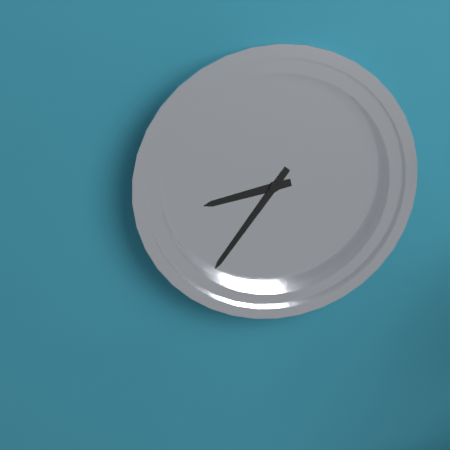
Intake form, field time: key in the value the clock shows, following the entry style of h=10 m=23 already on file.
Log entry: h=8 m=36
